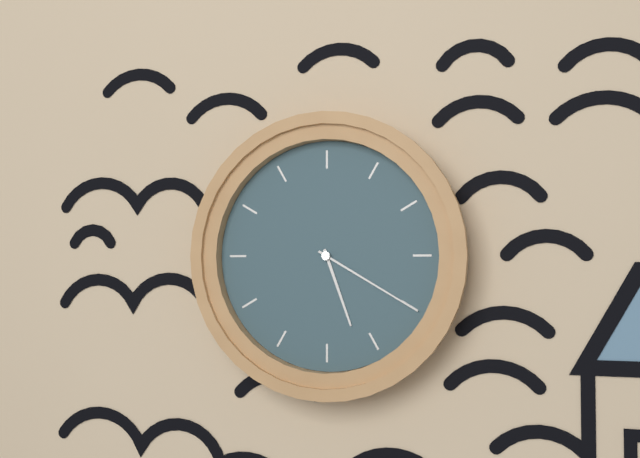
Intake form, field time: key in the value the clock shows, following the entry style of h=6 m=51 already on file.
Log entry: h=5 m=20
